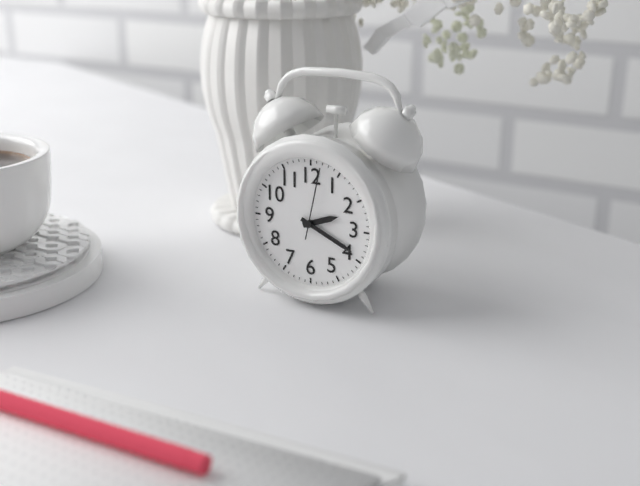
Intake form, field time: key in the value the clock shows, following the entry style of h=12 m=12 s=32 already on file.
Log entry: h=2 m=19 s=2
